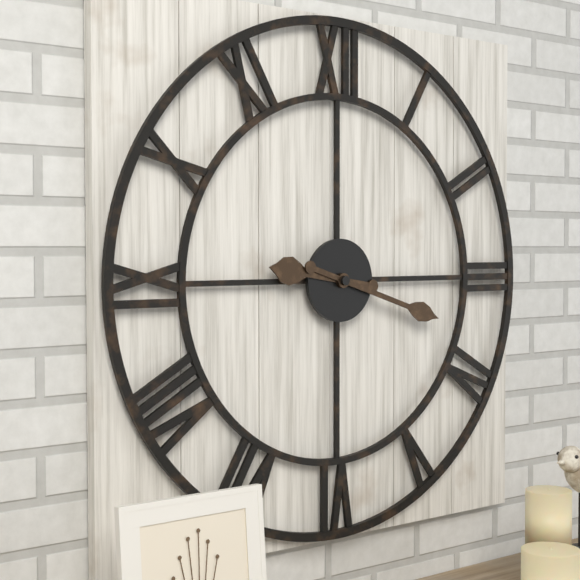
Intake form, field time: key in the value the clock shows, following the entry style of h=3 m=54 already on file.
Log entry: h=9 m=18
